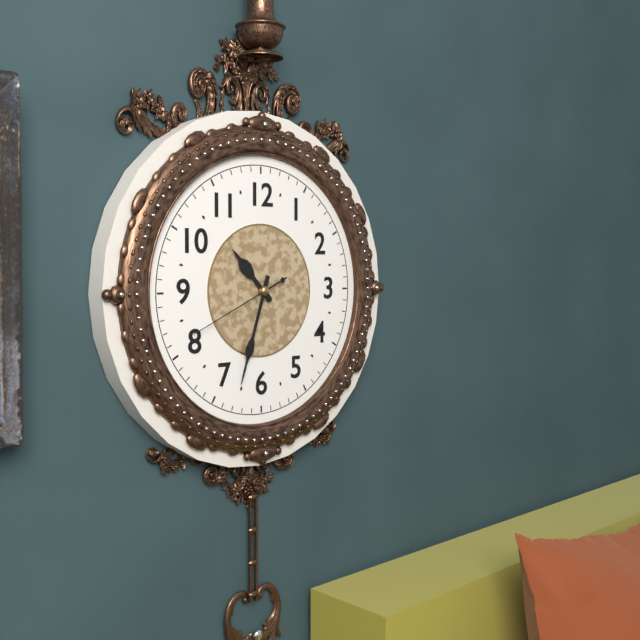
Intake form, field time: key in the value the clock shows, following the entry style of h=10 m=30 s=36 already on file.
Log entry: h=10 m=33 s=41
